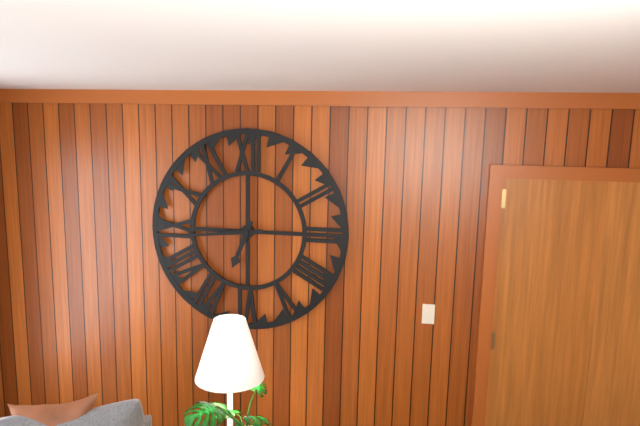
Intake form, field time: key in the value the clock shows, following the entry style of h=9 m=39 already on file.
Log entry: h=6 m=44
